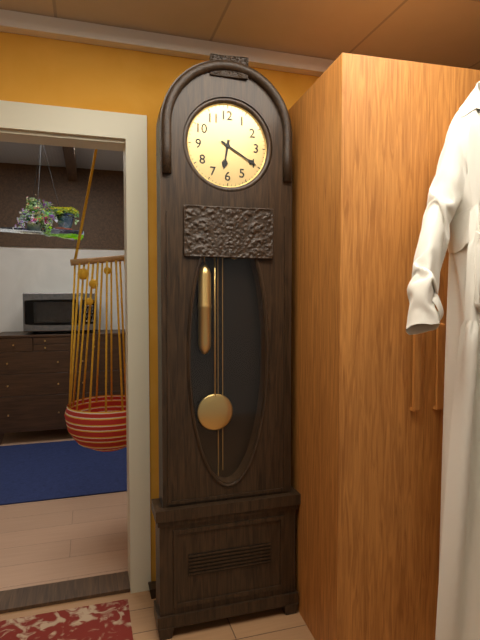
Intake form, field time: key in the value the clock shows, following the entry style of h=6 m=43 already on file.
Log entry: h=6 m=20
